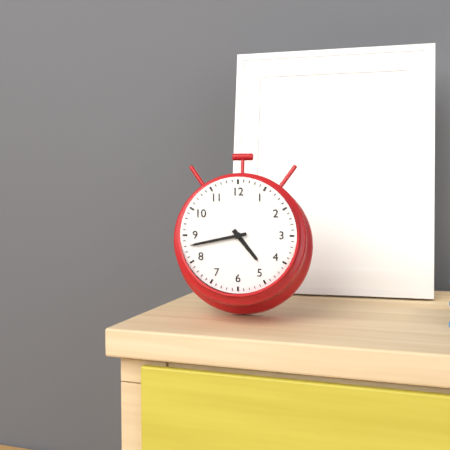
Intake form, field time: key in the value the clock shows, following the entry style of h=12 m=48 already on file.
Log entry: h=4 m=43
